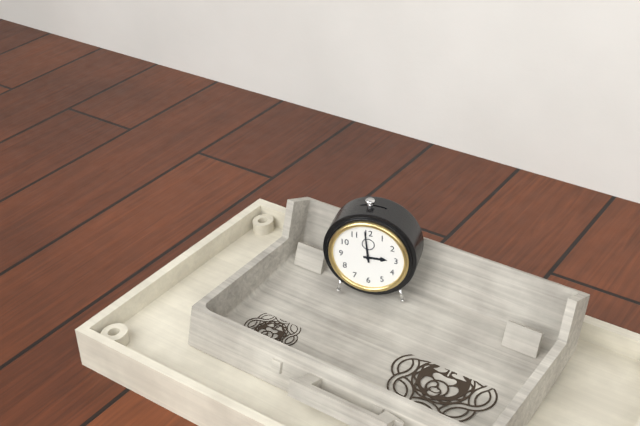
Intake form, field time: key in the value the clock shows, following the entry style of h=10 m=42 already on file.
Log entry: h=2 m=59
